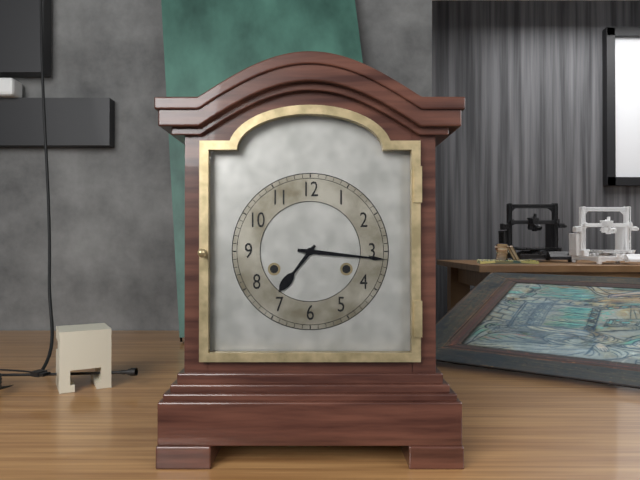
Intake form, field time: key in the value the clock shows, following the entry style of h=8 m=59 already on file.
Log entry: h=7 m=16
